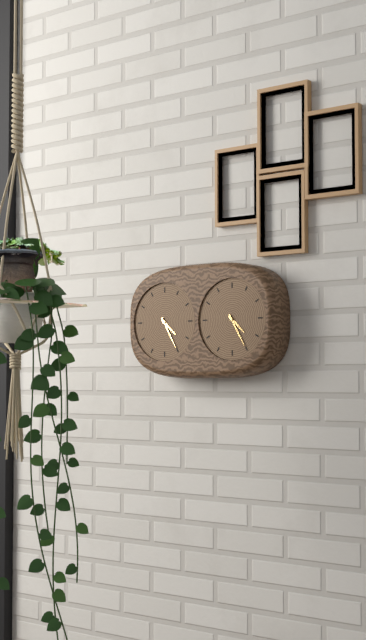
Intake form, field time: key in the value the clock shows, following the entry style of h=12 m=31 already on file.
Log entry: h=4 m=25
